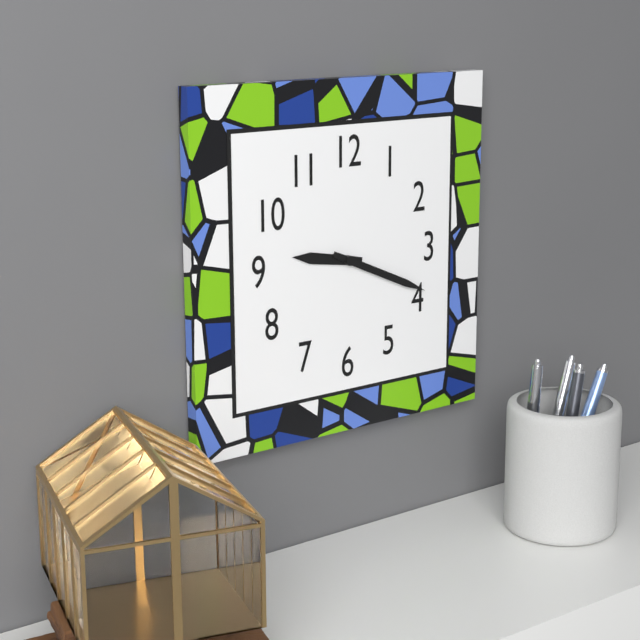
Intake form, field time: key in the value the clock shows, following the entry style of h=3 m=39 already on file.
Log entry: h=9 m=19
